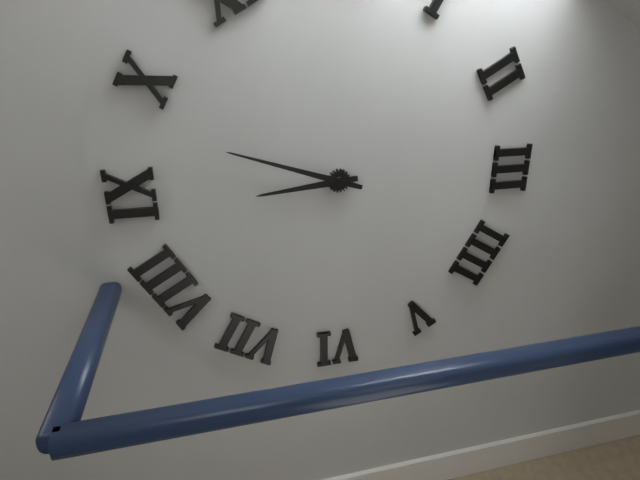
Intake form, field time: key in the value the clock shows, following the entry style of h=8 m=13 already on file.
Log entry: h=8 m=48
